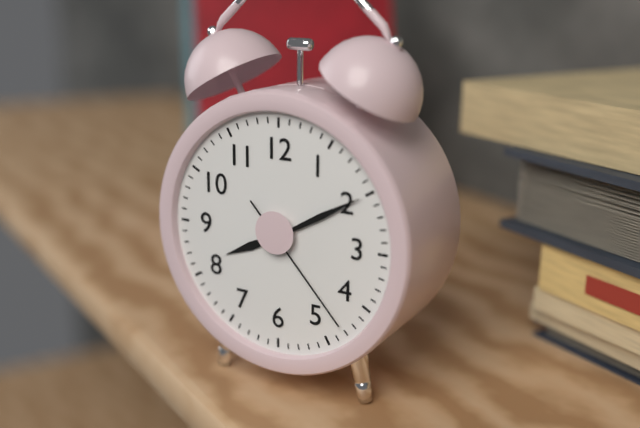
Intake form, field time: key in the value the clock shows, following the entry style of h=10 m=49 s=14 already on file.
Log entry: h=8 m=10 s=23
